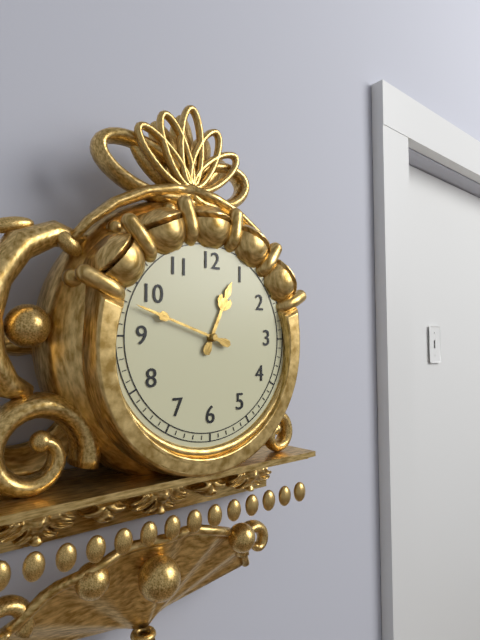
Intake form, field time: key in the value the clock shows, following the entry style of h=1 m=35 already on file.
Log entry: h=12 m=48
